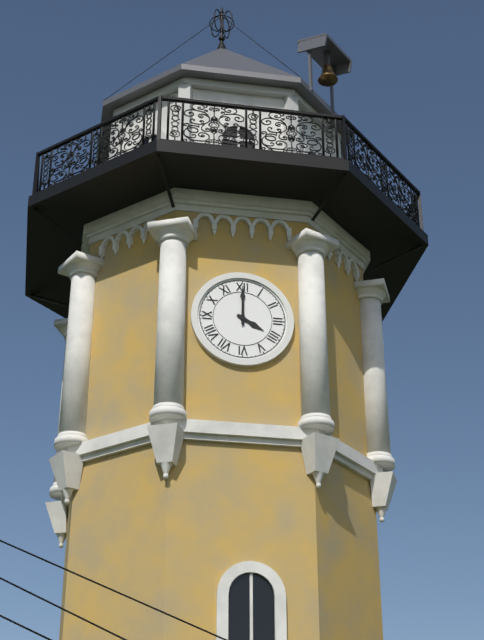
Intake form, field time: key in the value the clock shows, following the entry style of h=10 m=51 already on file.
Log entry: h=4 m=0
